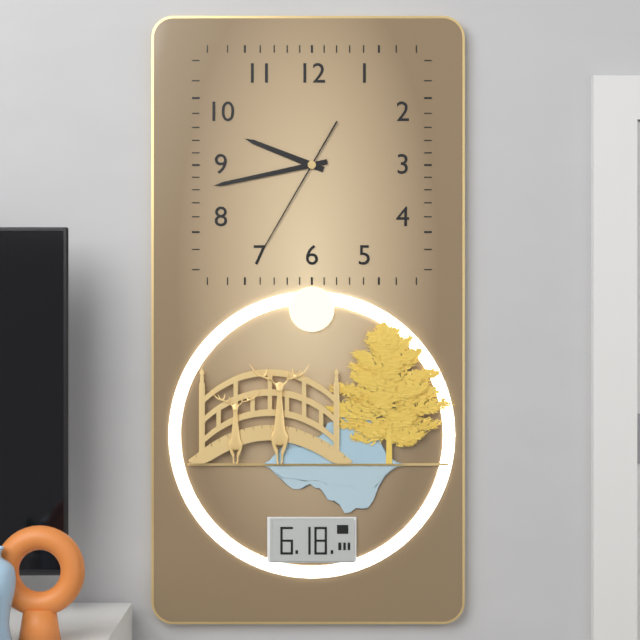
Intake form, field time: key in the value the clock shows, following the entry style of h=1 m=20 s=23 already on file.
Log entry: h=9 m=43 s=35
